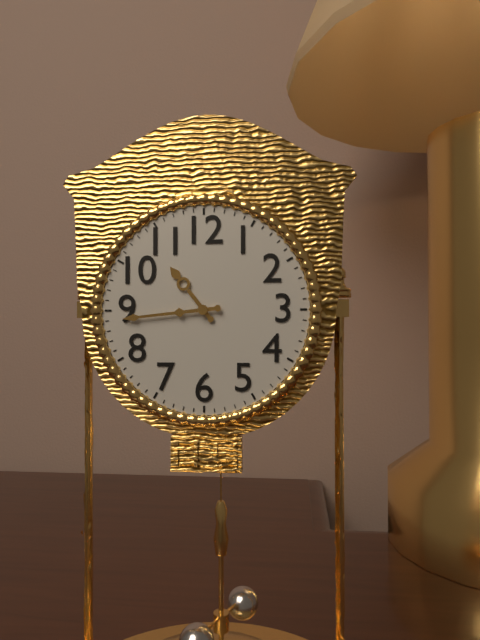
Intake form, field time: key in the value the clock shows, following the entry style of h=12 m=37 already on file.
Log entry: h=10 m=44
